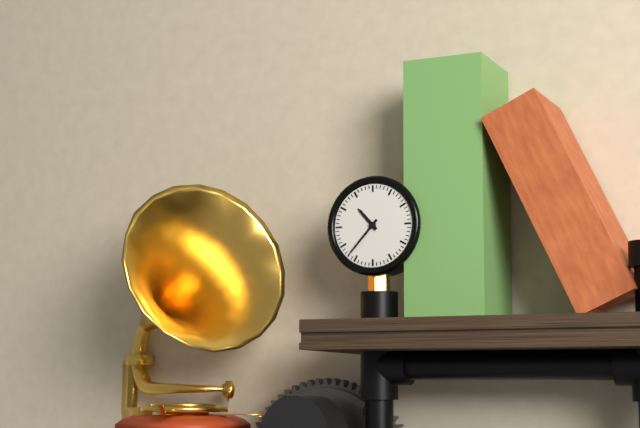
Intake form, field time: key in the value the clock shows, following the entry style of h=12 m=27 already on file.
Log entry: h=10 m=37
